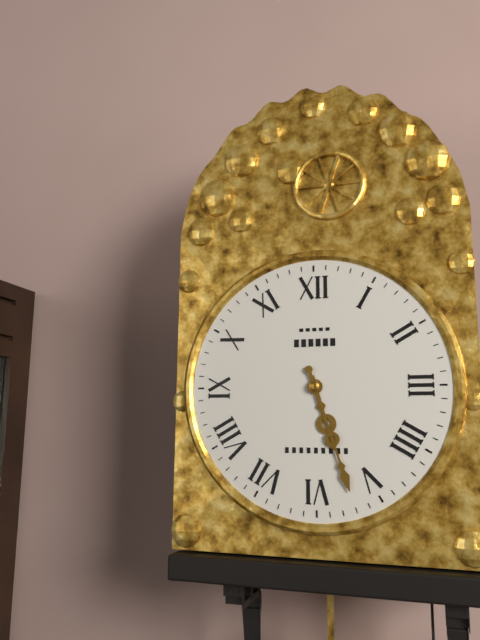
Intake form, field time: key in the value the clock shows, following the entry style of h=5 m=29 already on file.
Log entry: h=5 m=27
